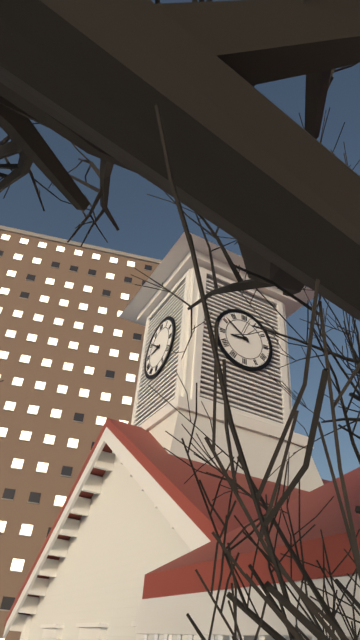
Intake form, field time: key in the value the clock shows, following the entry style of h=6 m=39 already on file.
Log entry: h=8 m=51
